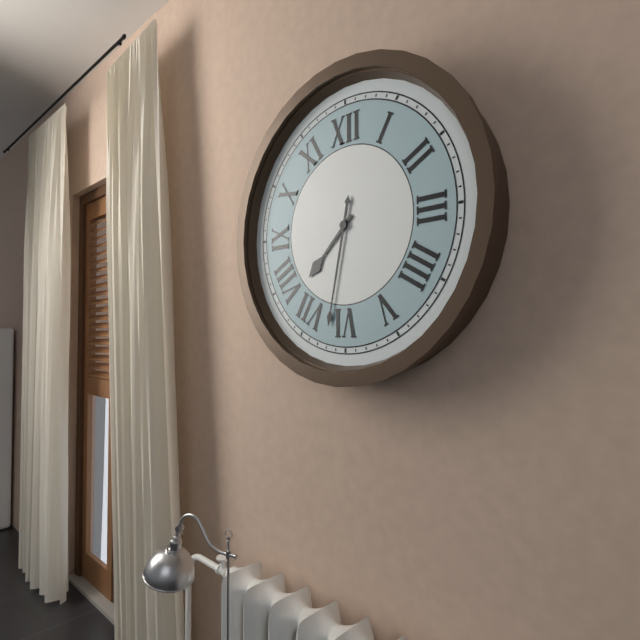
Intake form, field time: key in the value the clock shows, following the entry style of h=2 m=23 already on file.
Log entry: h=7 m=32
